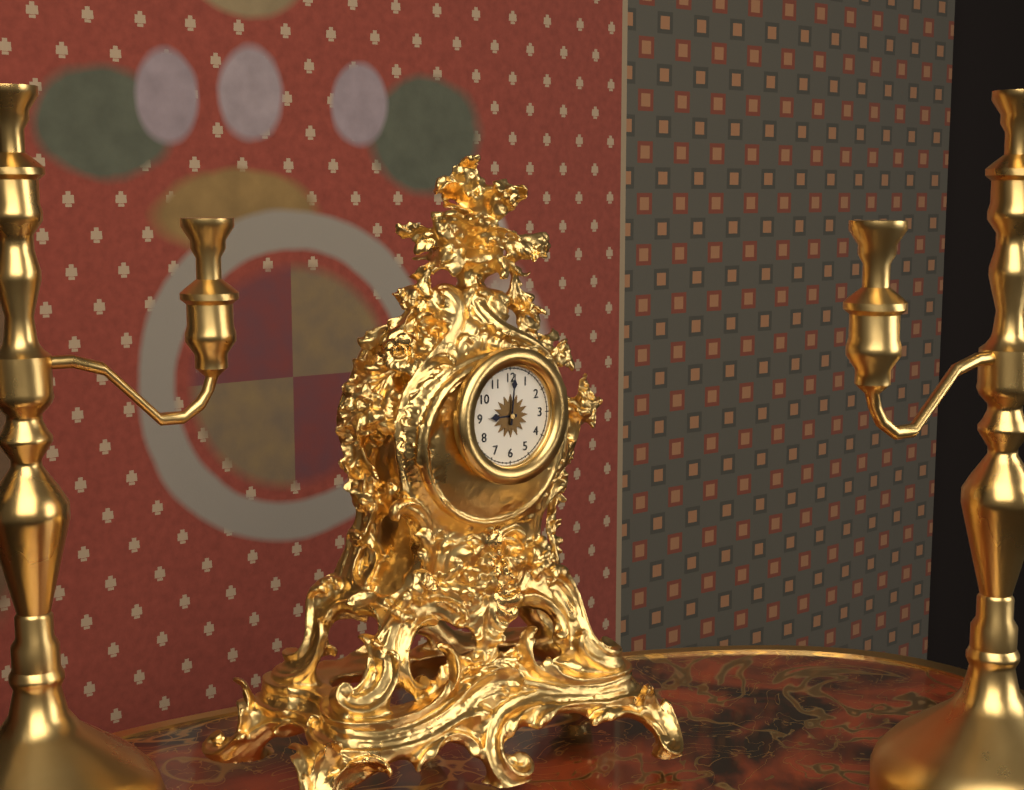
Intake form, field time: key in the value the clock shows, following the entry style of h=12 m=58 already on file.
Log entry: h=9 m=1
